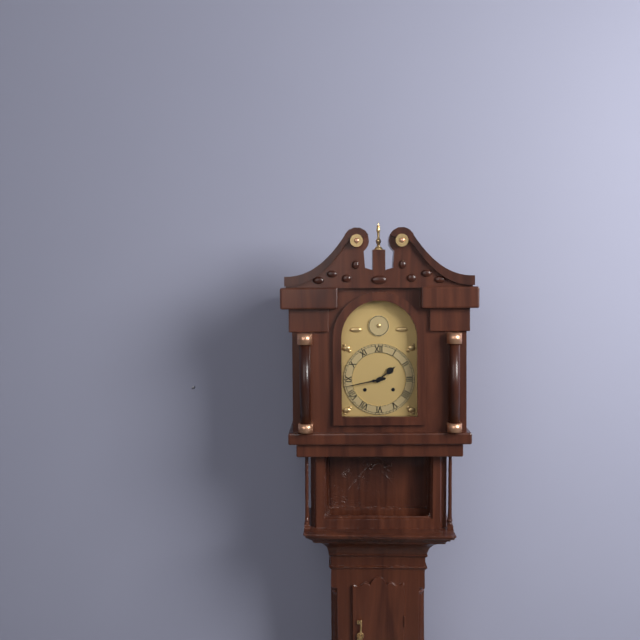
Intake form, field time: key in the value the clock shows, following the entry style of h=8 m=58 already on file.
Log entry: h=1 m=43
